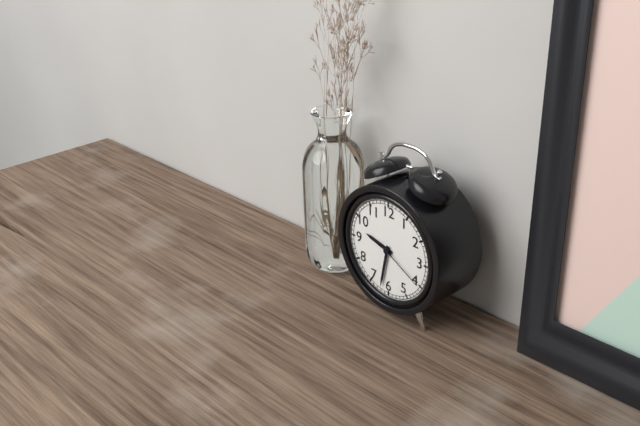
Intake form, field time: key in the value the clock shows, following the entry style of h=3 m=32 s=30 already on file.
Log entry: h=9 m=32 s=20
